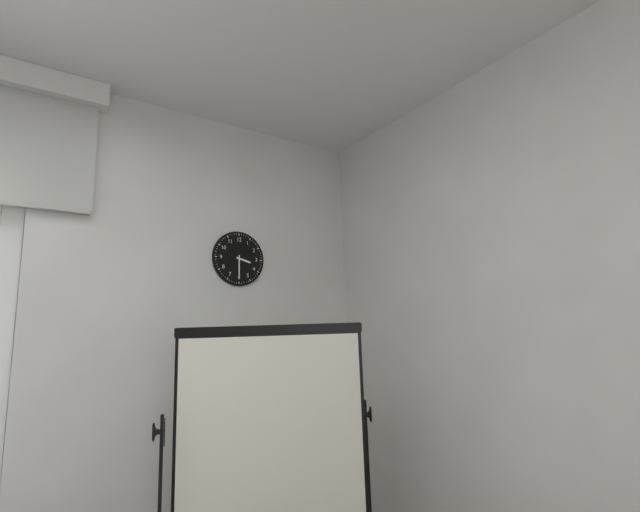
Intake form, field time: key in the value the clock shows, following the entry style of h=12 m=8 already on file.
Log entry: h=3 m=30
